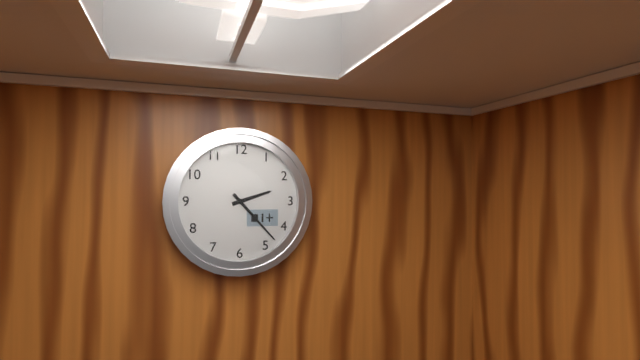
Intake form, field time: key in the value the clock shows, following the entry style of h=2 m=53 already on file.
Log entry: h=2 m=23
